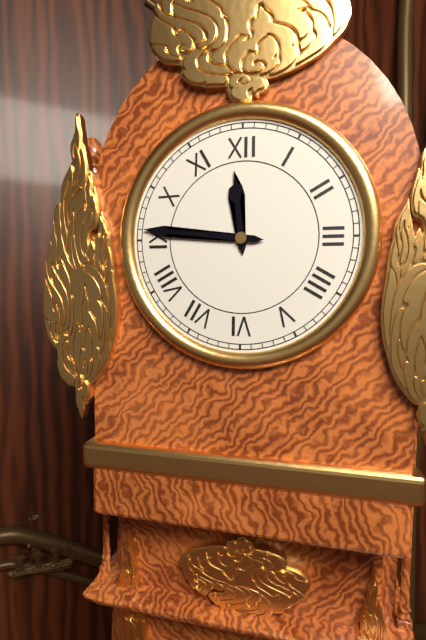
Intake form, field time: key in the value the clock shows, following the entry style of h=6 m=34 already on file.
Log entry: h=11 m=46
